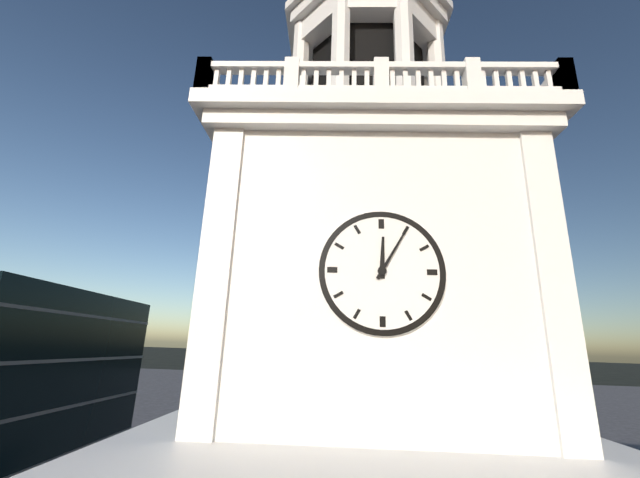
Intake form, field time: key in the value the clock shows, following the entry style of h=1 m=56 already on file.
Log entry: h=12 m=5
